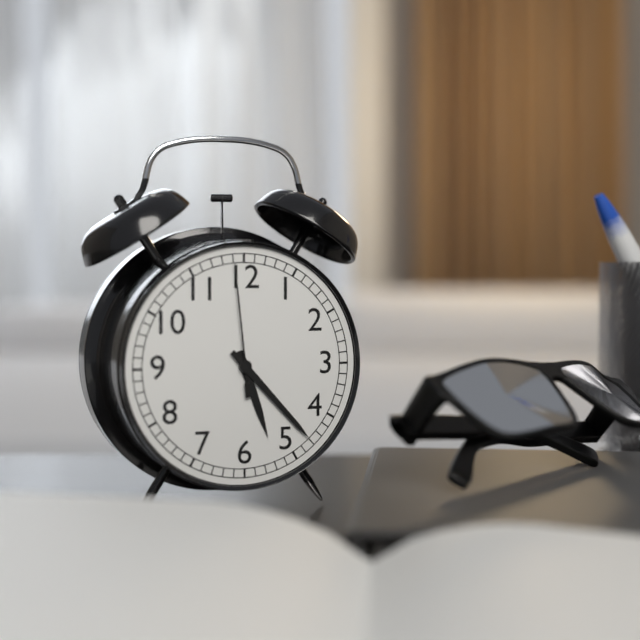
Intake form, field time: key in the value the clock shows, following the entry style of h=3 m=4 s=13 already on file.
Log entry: h=5 m=23 s=59
